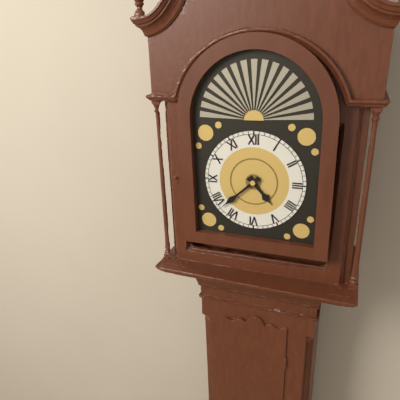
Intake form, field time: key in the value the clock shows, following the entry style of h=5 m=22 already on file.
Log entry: h=4 m=38
